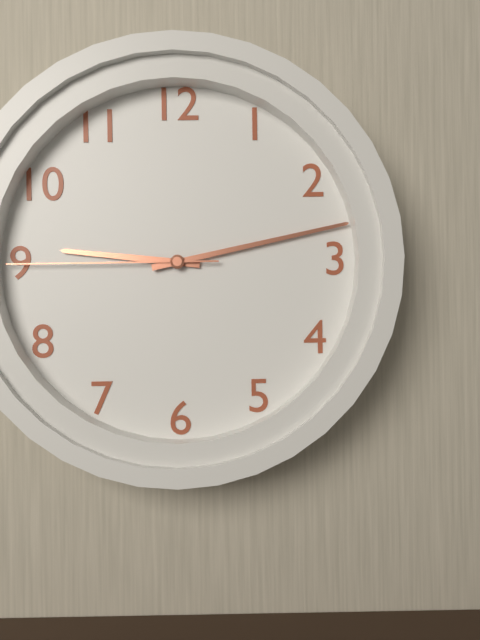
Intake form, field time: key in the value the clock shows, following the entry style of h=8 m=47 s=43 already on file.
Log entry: h=9 m=13 s=45
